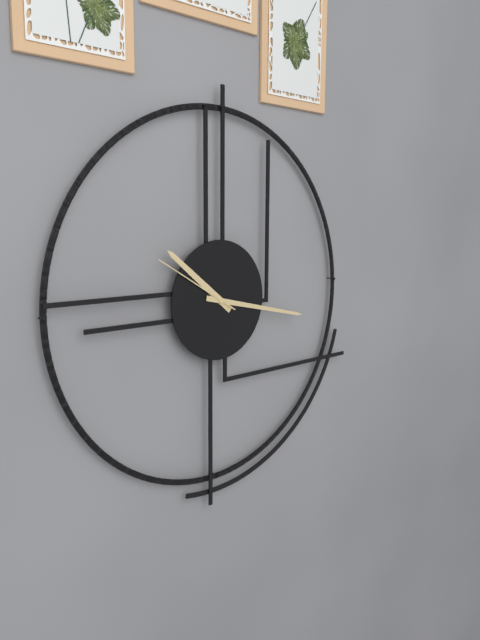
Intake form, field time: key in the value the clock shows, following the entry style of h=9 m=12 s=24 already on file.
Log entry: h=10 m=17 s=50
